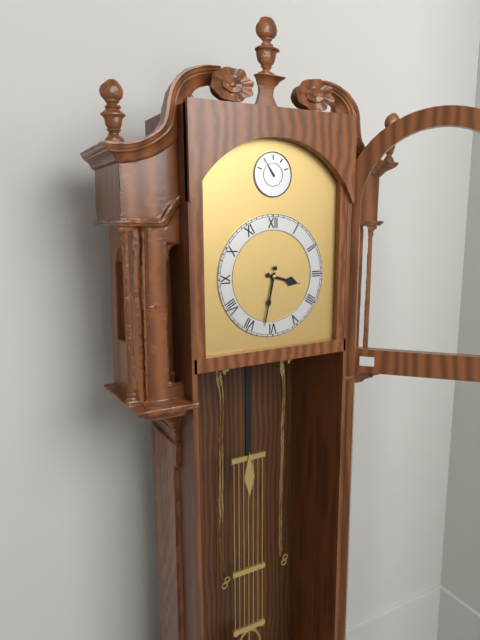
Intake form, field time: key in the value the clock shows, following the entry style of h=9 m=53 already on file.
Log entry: h=3 m=32
